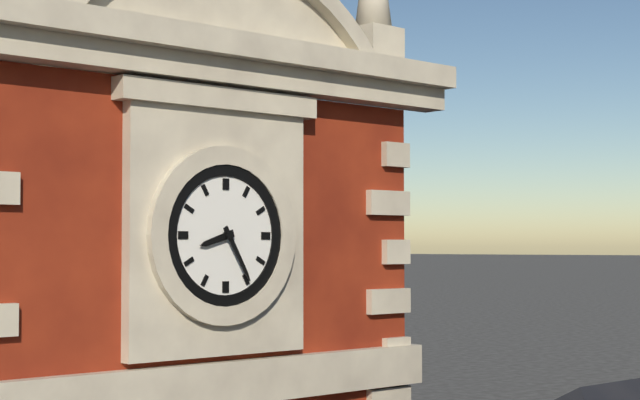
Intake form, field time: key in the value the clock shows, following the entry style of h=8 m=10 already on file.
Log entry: h=8 m=25
